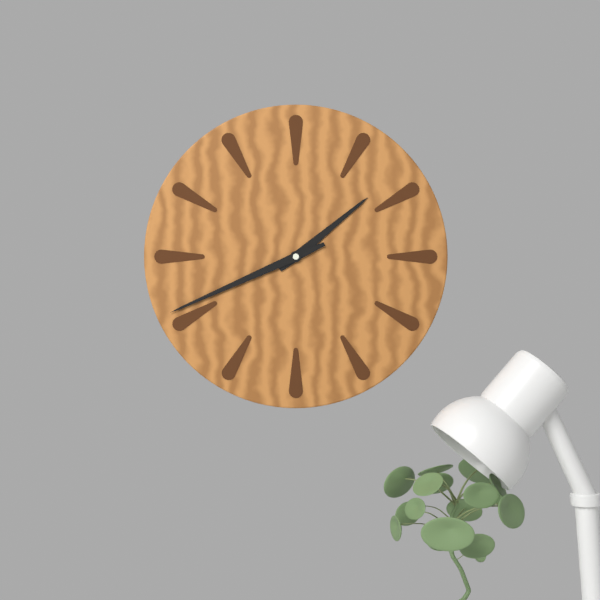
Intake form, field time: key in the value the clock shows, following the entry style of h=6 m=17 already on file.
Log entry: h=1 m=41
